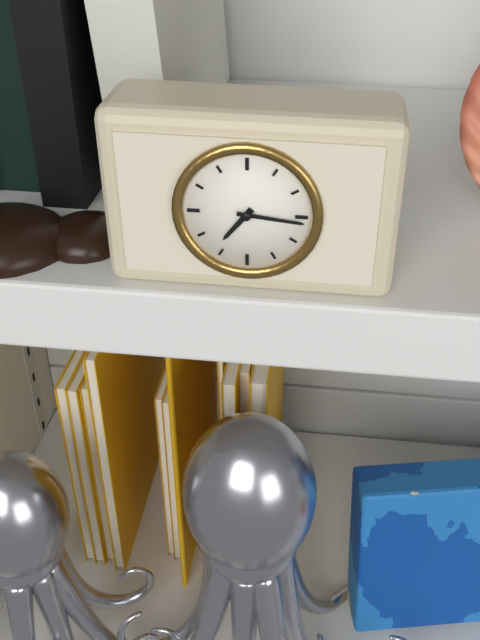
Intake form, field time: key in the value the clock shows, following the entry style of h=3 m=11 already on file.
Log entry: h=7 m=16
